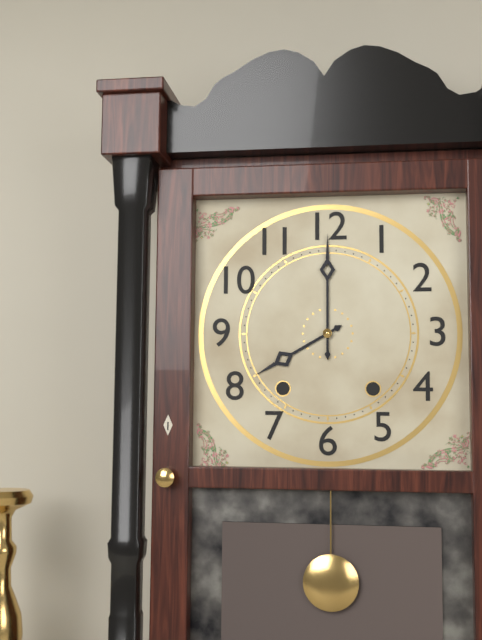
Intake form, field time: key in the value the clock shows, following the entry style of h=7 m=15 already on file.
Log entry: h=8 m=0
